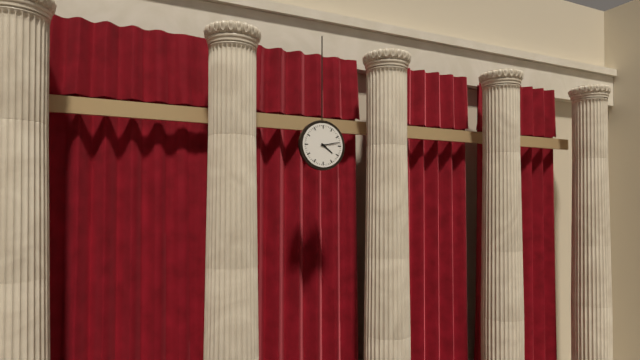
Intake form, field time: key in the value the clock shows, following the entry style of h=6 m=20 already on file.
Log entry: h=4 m=13
